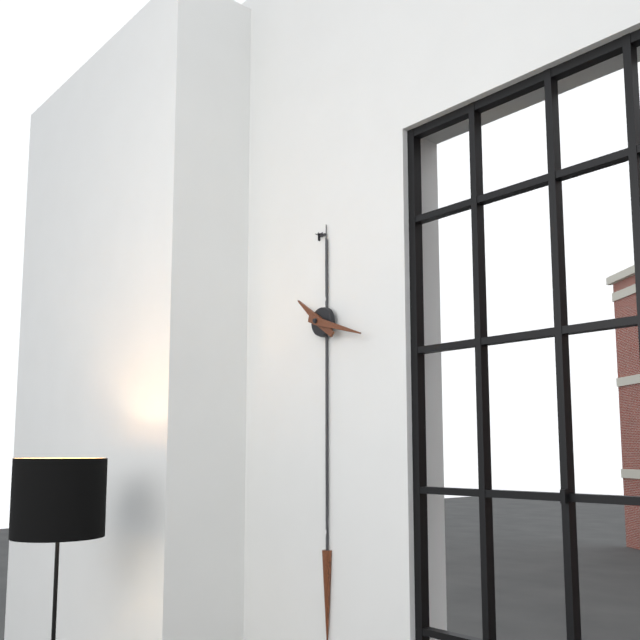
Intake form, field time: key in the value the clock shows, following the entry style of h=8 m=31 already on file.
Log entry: h=10 m=18
